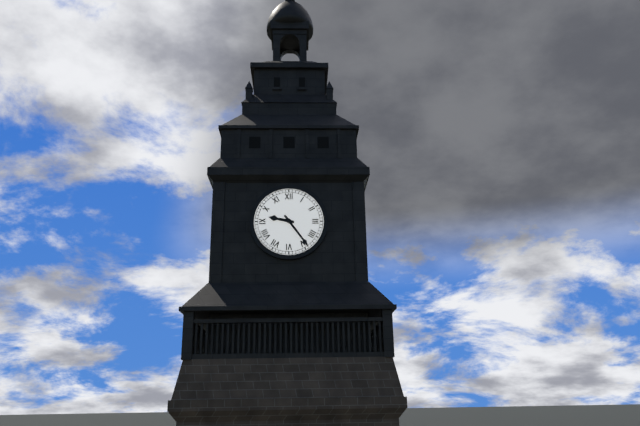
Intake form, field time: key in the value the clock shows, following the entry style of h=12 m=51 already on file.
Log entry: h=9 m=24
